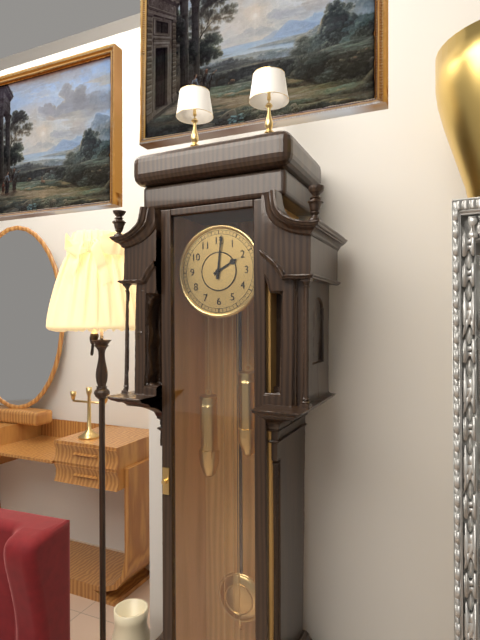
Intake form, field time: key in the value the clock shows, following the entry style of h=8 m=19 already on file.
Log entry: h=2 m=1
